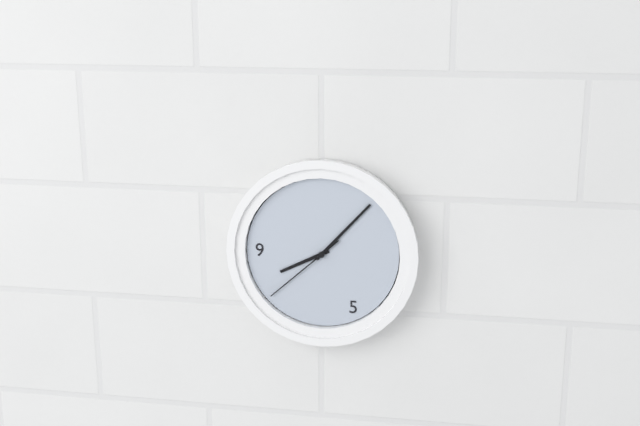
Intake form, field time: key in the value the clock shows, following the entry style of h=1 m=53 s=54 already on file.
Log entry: h=8 m=7 s=38
